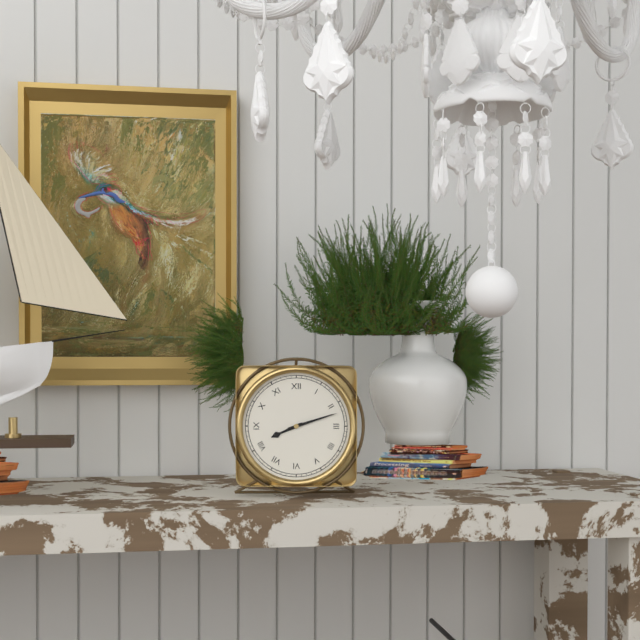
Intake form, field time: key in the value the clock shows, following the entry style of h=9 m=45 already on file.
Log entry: h=8 m=12
